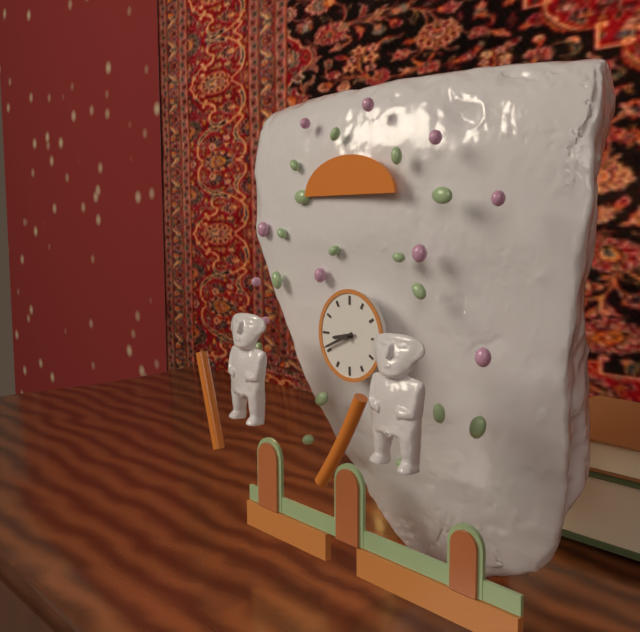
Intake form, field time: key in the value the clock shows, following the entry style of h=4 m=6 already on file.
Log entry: h=8 m=41
